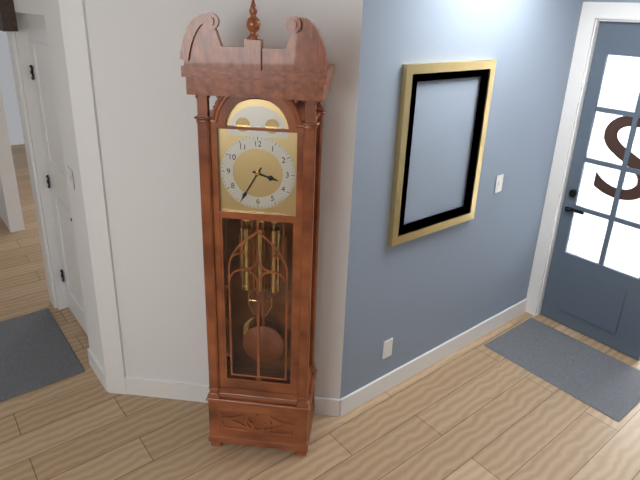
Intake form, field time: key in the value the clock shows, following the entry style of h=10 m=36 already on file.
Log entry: h=3 m=35
